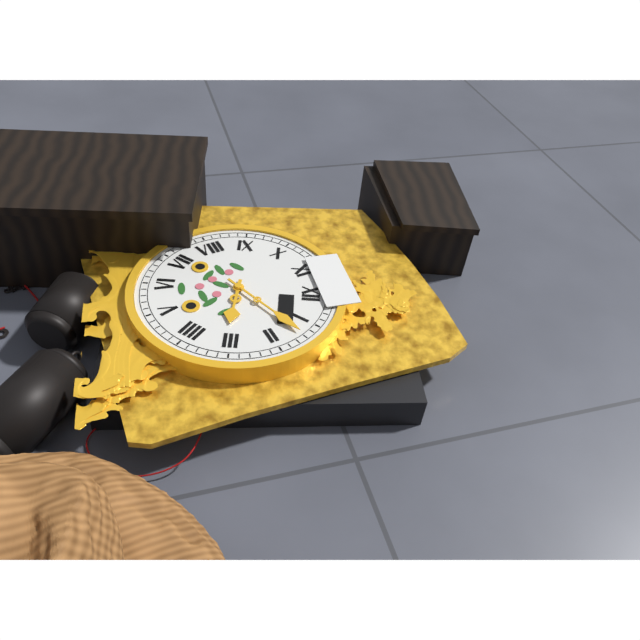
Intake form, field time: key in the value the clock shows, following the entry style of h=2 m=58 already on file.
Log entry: h=3 m=7
